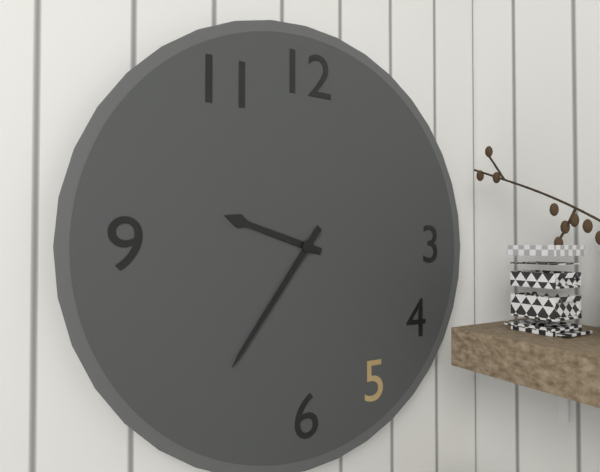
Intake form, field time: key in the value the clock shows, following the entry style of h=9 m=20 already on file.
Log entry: h=9 m=36
